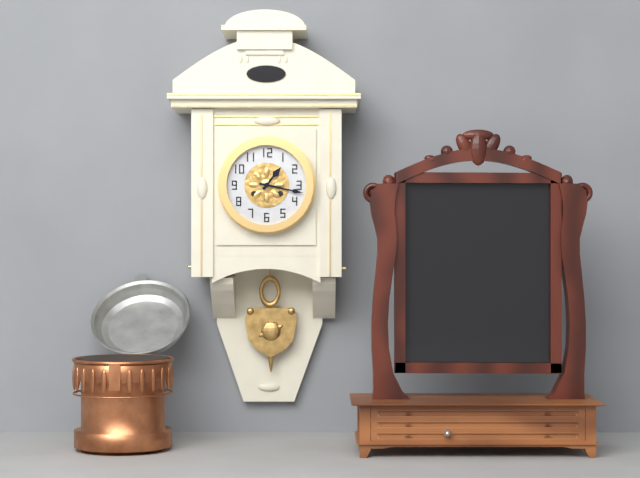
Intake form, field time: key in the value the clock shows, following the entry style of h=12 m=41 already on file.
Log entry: h=1 m=17
